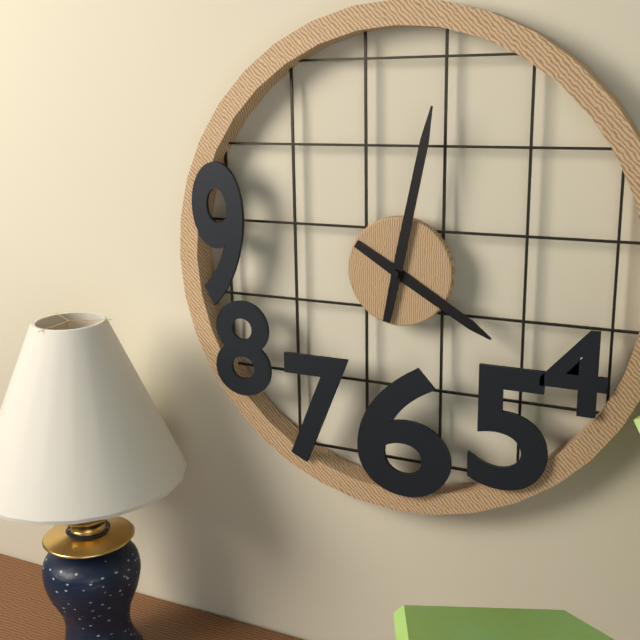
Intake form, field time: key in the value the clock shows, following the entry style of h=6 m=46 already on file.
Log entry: h=4 m=2
